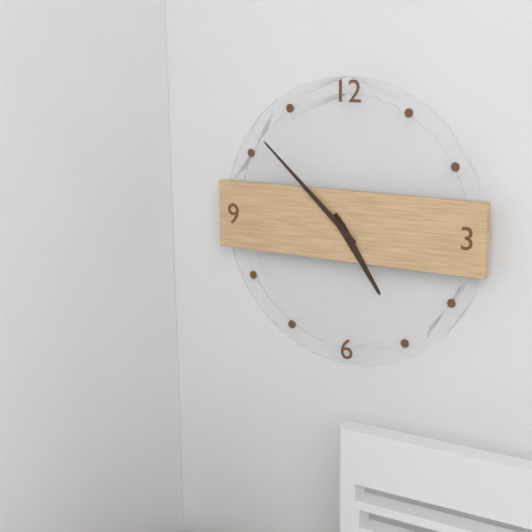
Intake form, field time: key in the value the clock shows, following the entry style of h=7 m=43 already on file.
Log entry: h=4 m=52
